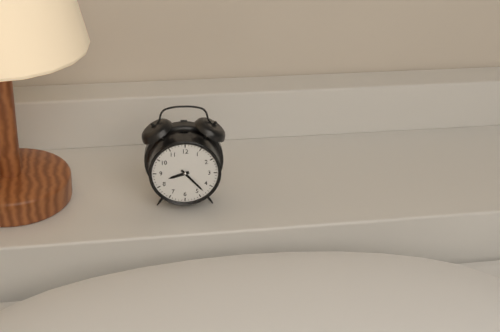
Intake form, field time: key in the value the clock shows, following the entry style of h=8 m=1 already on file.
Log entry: h=8 m=23
